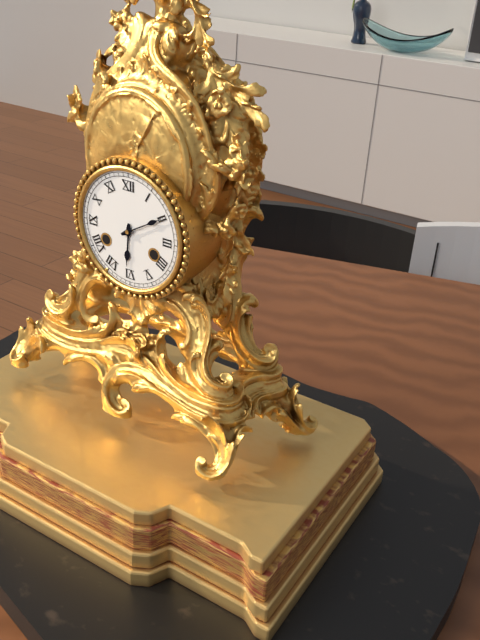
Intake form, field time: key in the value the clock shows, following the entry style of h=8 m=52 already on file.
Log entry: h=6 m=10
